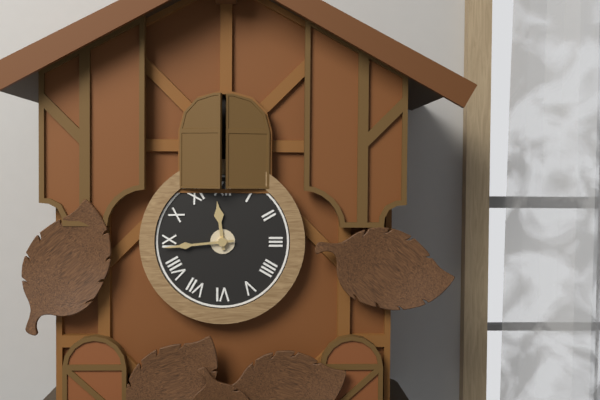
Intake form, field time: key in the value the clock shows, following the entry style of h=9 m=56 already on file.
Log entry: h=11 m=44
